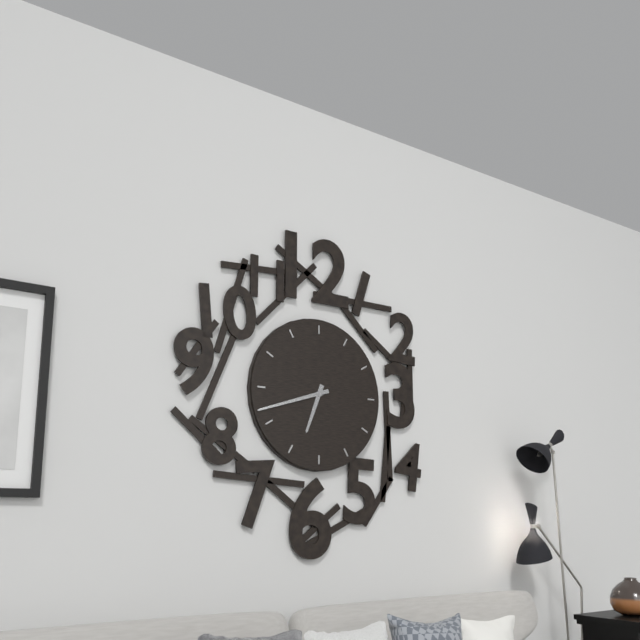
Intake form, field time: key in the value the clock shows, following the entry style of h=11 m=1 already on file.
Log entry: h=6 m=42
